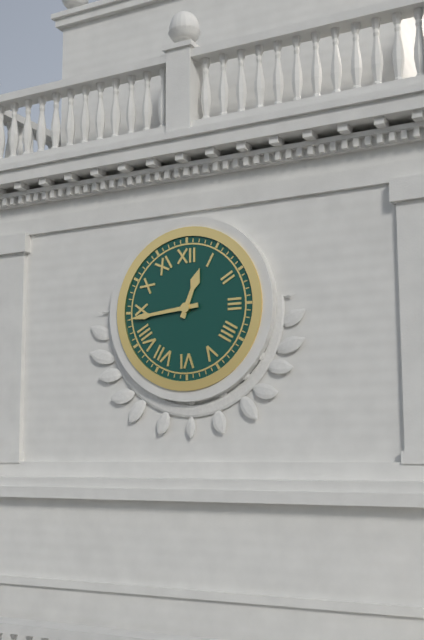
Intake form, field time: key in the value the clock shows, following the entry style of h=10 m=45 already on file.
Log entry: h=12 m=44
